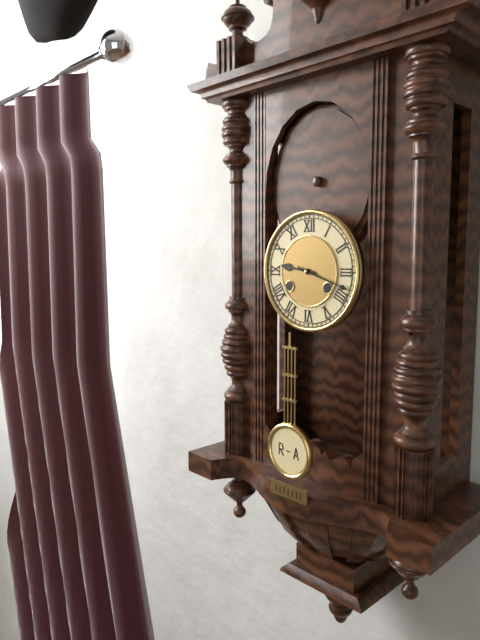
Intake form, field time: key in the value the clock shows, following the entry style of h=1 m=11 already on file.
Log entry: h=9 m=18
